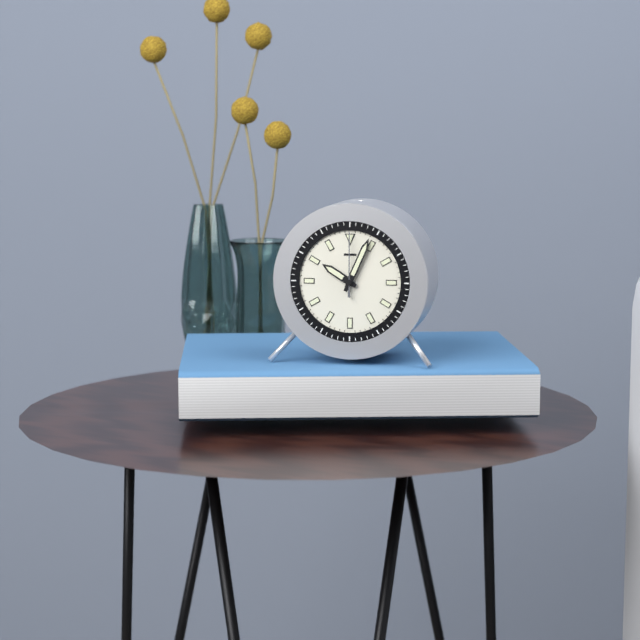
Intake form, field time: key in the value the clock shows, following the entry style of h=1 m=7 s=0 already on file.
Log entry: h=10 m=4 s=0
